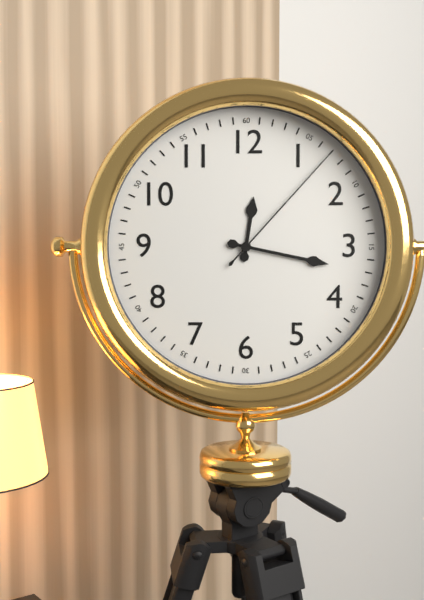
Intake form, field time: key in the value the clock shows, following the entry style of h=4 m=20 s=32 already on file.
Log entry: h=12 m=17 s=7
